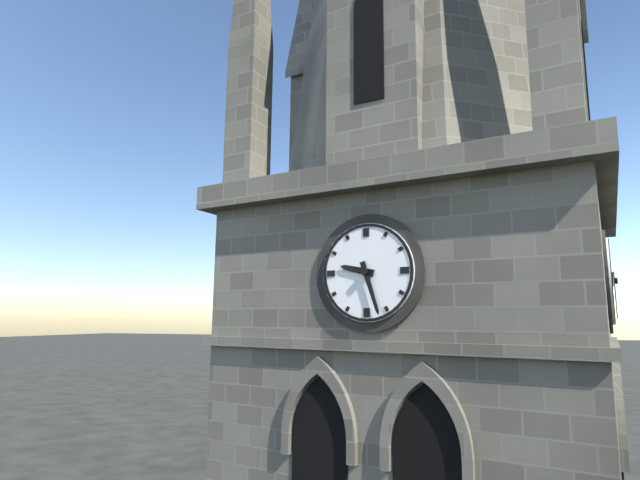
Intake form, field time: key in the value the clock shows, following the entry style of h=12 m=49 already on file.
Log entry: h=9 m=27
